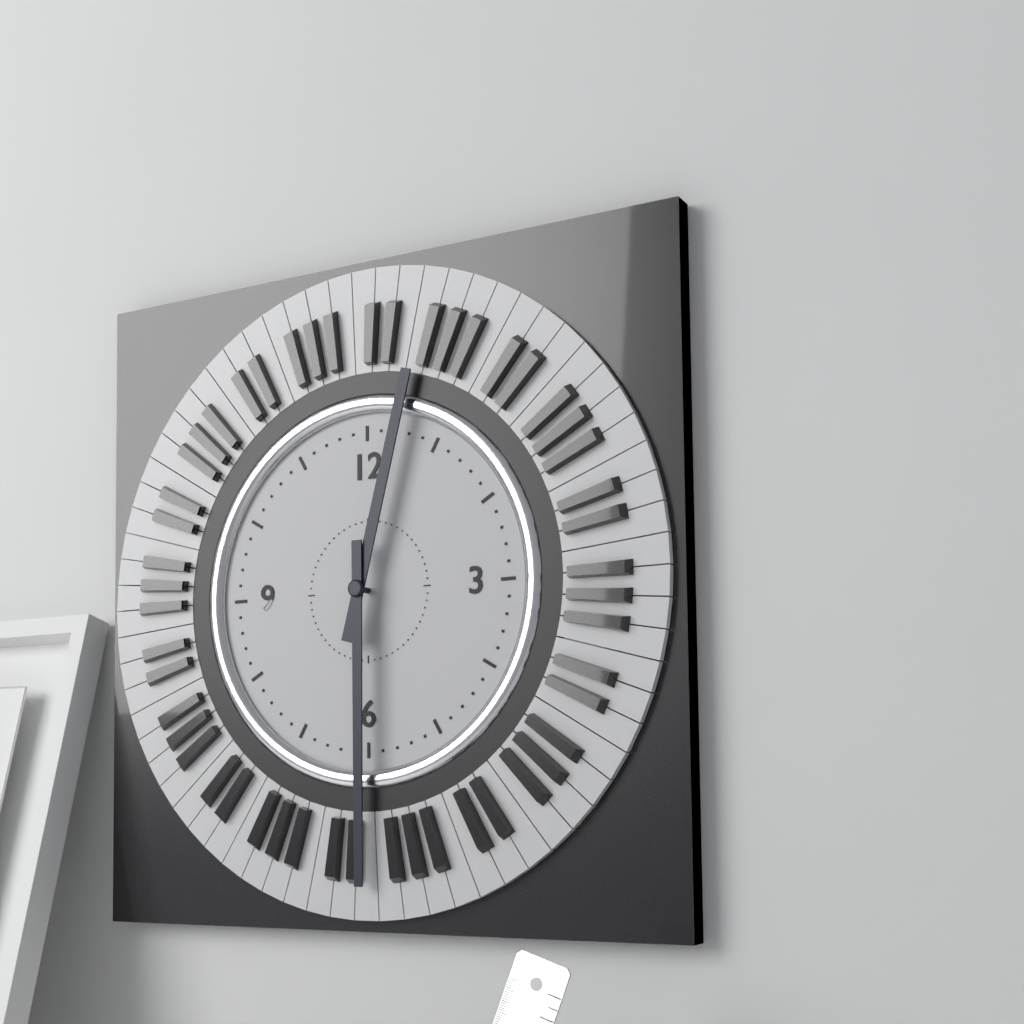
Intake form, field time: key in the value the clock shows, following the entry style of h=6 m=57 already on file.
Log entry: h=12 m=30
